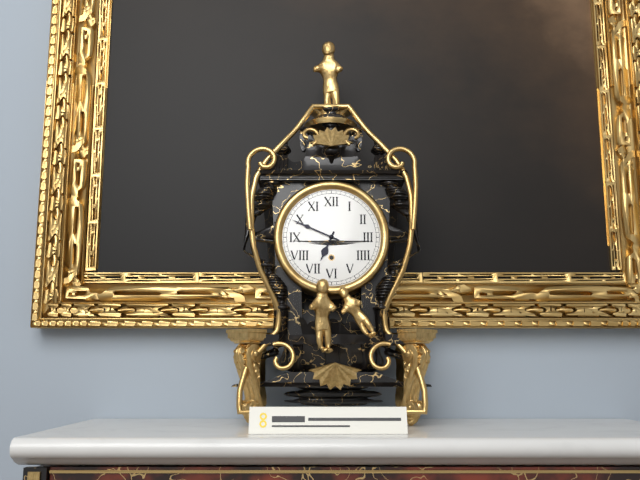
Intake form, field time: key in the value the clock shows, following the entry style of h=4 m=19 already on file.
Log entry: h=6 m=49
